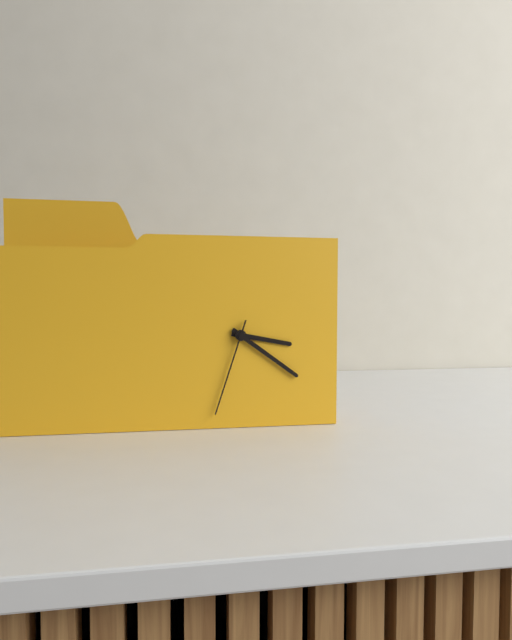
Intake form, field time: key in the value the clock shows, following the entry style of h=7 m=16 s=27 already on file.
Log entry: h=3 m=21 s=33
